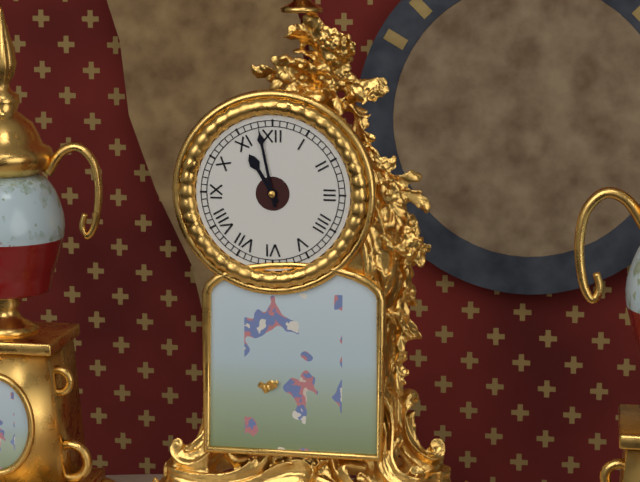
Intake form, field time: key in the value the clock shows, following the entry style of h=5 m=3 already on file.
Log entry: h=10 m=58
